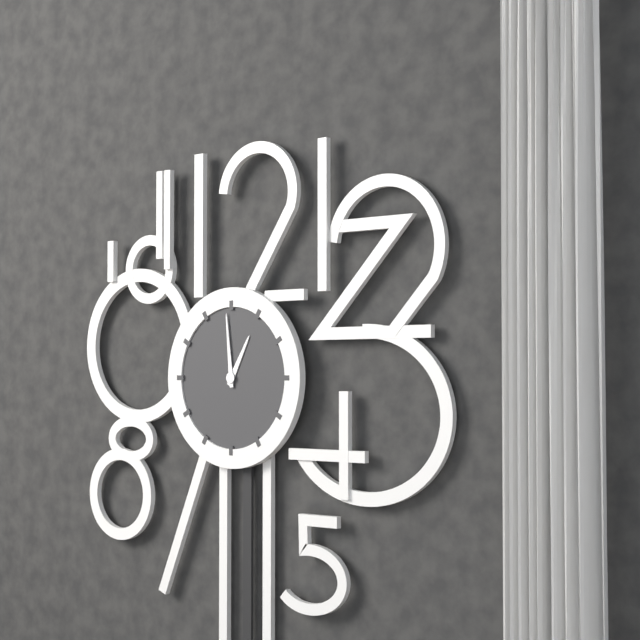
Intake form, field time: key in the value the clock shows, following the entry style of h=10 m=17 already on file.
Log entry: h=12 m=59
